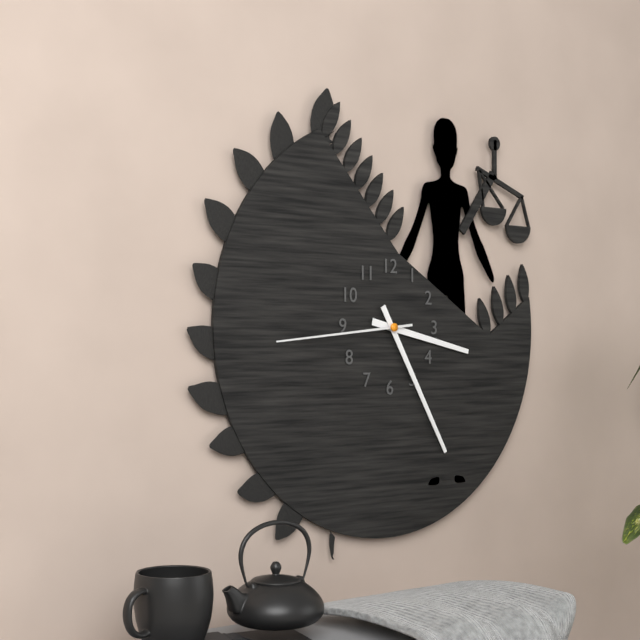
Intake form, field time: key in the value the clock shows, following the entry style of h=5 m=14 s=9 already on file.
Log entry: h=3 m=25 s=44
